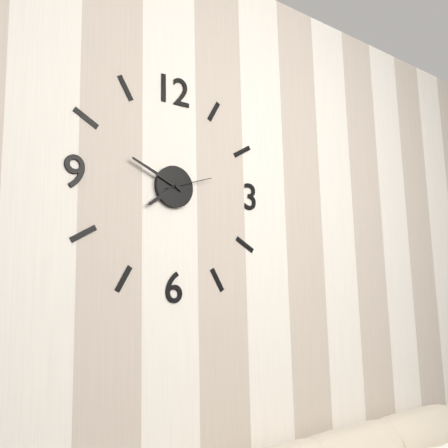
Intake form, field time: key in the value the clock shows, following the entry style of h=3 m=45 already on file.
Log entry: h=7 m=49
